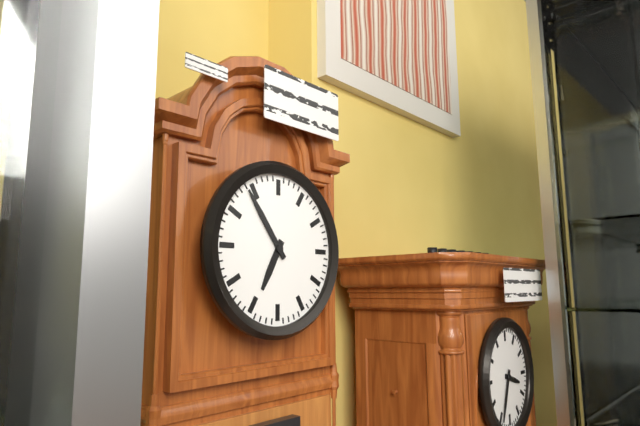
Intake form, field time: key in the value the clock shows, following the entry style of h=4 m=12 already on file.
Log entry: h=6 m=54
